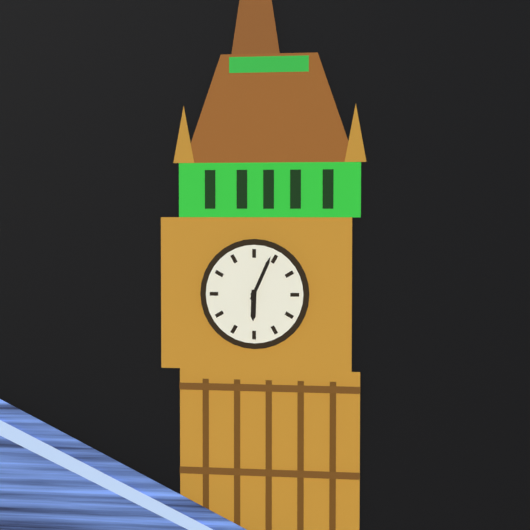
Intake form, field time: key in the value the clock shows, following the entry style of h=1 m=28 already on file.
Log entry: h=6 m=4
